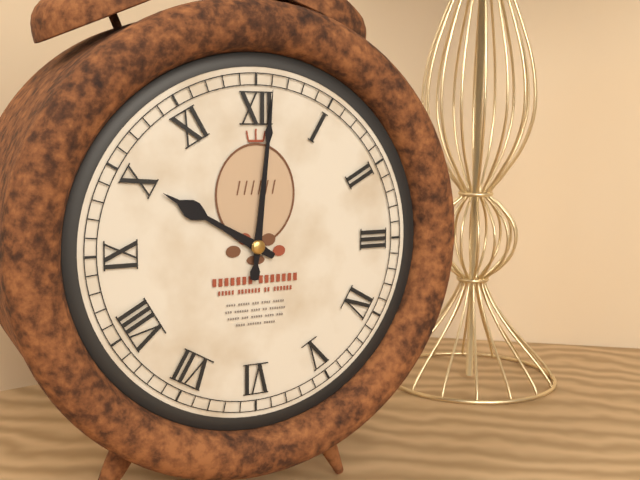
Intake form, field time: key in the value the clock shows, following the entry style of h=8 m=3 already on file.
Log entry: h=10 m=1
